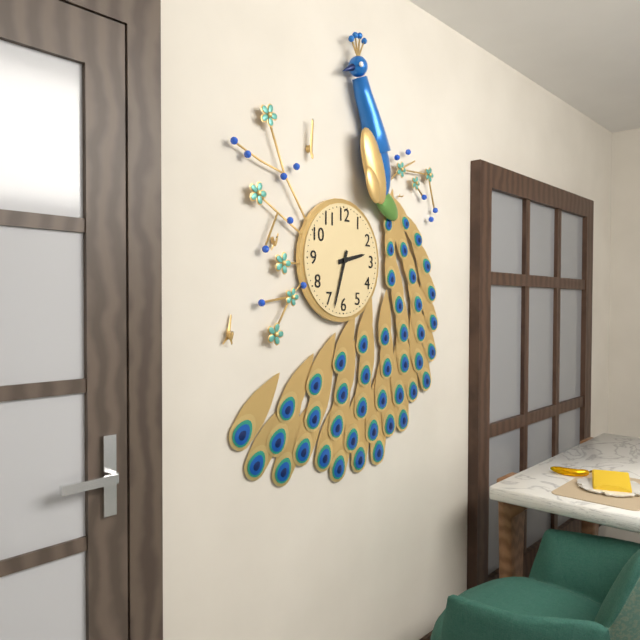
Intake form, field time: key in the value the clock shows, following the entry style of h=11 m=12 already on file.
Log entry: h=2 m=33
